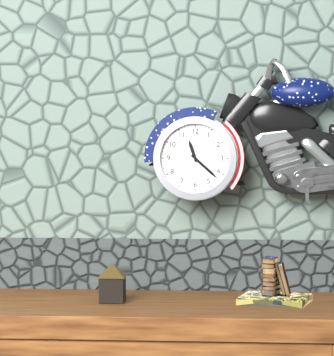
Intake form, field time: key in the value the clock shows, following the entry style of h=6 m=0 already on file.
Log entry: h=11 m=22
